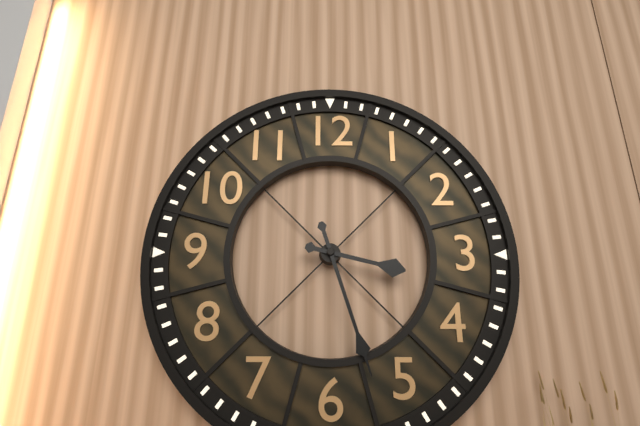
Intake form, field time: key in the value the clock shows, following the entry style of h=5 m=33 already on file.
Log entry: h=3 m=27
